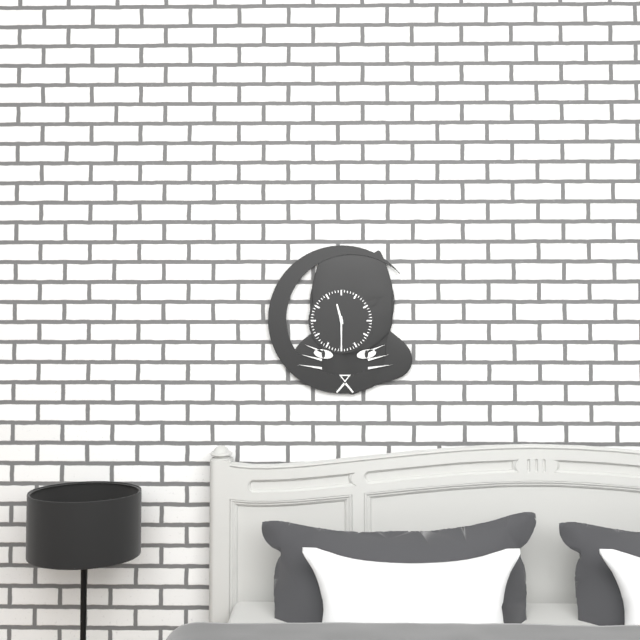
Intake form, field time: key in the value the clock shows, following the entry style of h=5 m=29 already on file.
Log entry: h=11 m=30
